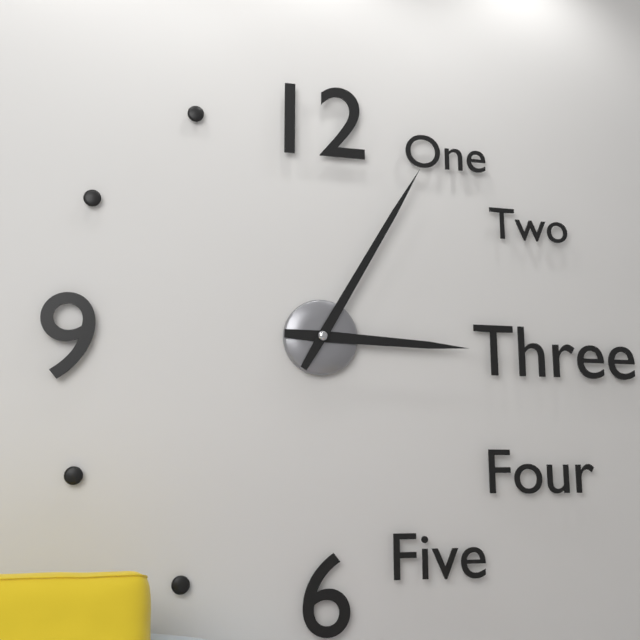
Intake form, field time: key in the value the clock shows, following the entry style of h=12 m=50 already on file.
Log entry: h=3 m=5
